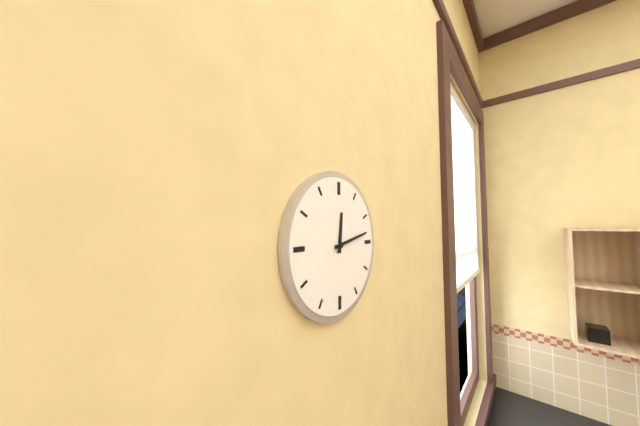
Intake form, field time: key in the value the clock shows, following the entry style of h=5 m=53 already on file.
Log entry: h=12 m=13
